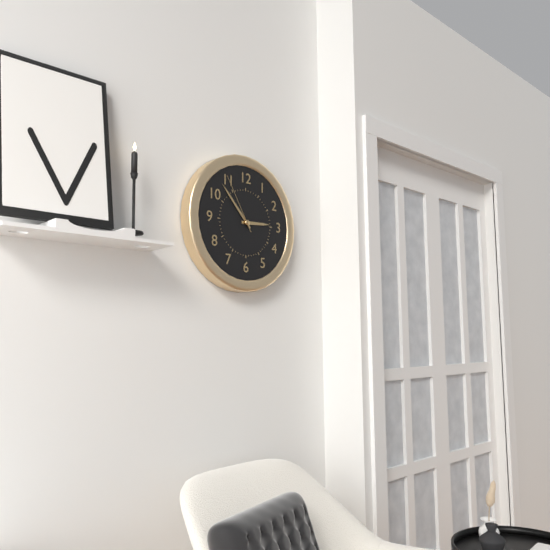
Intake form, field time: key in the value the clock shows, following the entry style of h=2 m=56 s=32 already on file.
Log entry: h=2 m=53 s=55
